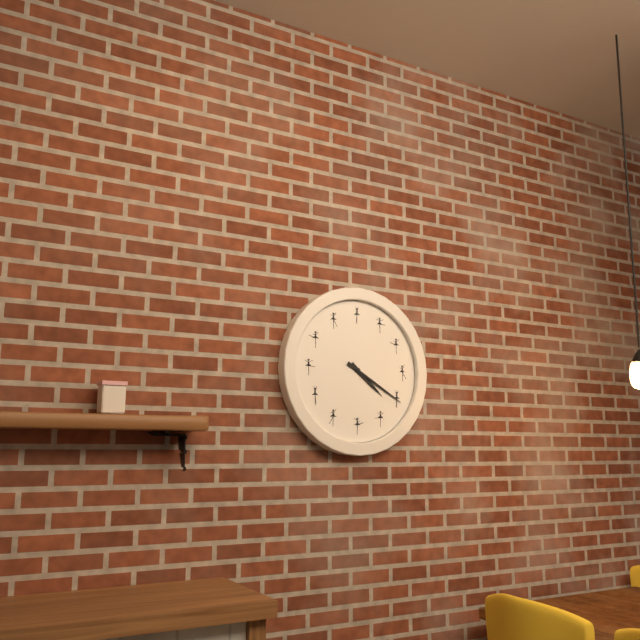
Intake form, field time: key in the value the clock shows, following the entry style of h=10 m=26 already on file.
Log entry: h=4 m=20
